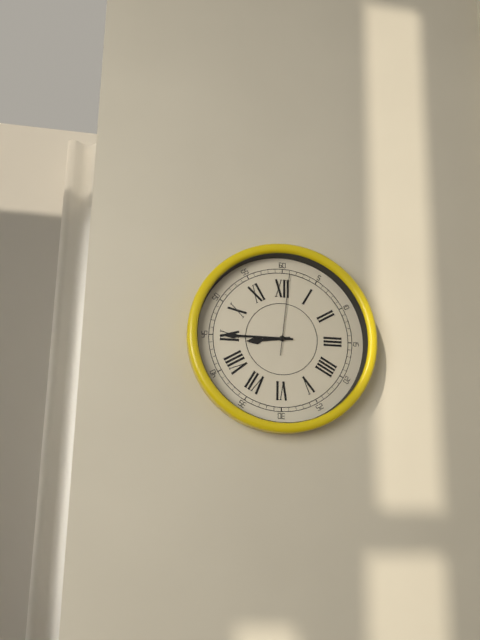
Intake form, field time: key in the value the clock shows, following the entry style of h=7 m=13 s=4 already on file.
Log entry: h=8 m=45 s=1
